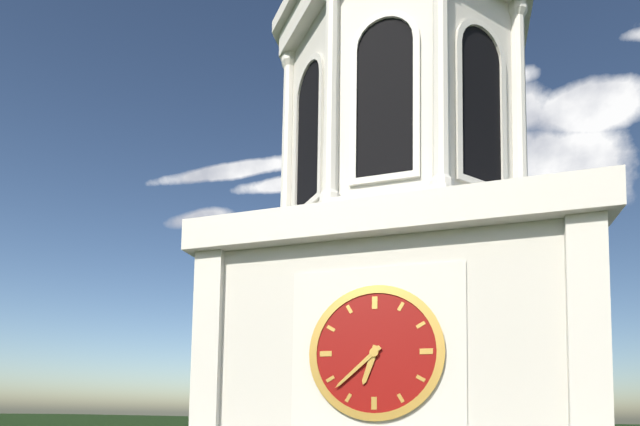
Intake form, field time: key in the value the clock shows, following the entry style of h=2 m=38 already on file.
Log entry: h=6 m=38
